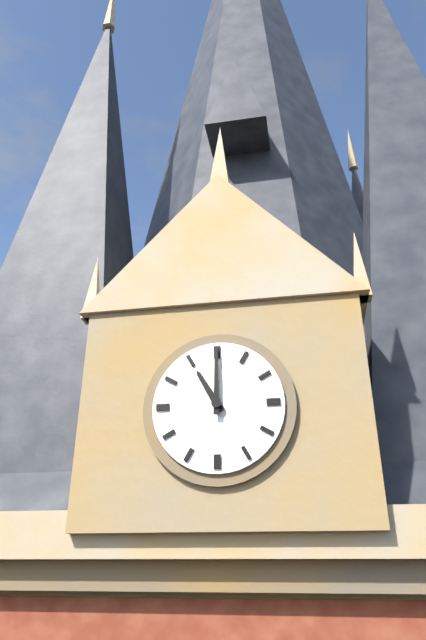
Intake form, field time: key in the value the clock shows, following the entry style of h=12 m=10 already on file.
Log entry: h=11 m=0
